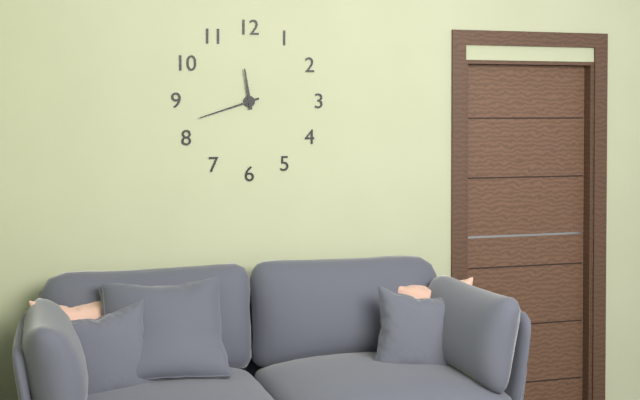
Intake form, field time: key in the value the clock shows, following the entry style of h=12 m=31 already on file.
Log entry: h=11 m=42
